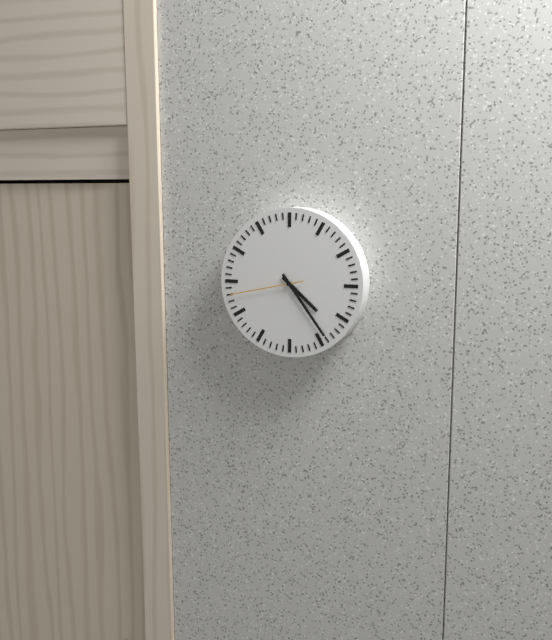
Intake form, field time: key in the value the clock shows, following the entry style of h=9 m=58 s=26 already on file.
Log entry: h=4 m=24 s=43
